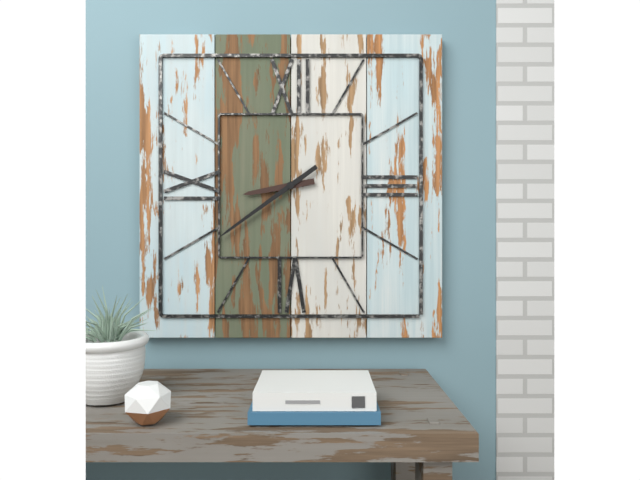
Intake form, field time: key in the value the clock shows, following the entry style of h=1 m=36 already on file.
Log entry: h=8 m=39
